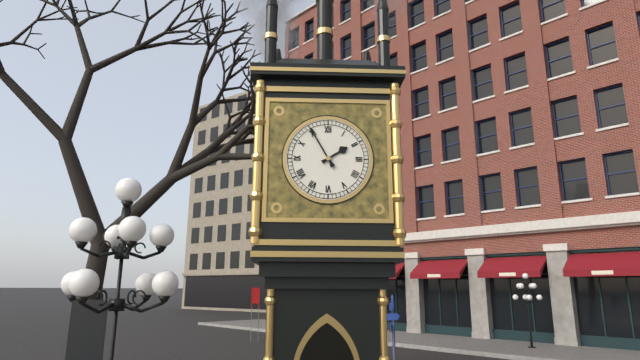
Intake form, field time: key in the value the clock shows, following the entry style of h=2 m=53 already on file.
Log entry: h=1 m=55
